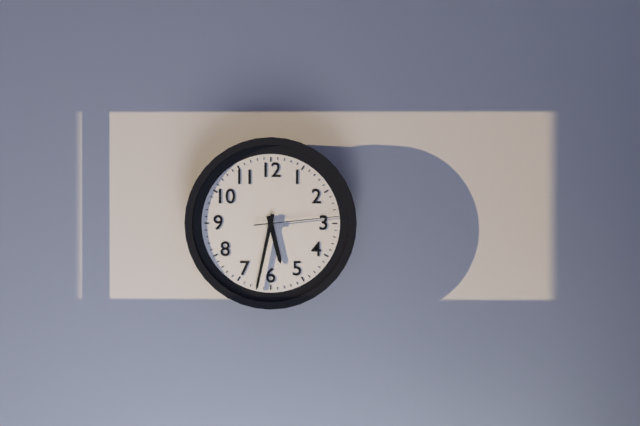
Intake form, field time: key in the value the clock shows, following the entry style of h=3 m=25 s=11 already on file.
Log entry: h=5 m=32 s=14
